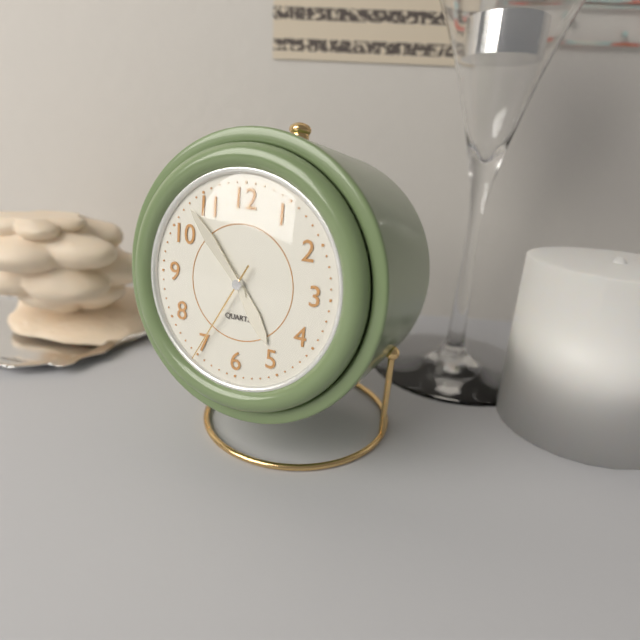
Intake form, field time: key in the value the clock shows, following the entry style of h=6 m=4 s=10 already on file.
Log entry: h=4 m=53 s=35
